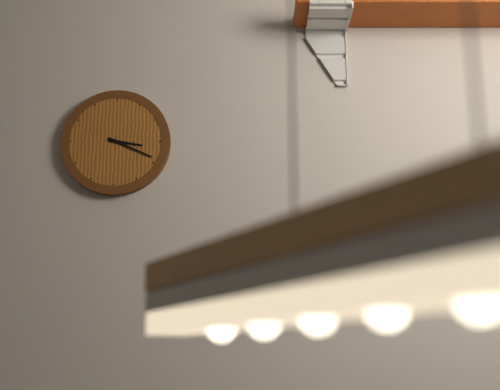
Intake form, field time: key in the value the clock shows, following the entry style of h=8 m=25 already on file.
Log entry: h=3 m=19
